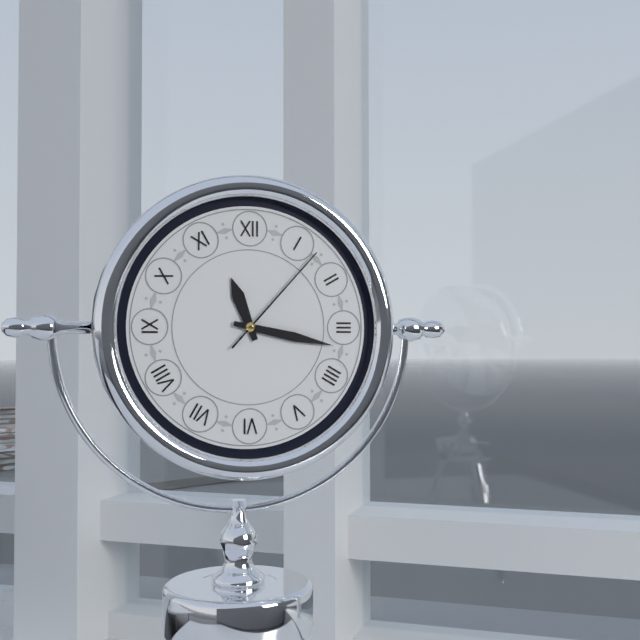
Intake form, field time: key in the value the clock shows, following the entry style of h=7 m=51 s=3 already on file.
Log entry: h=11 m=17 s=7
